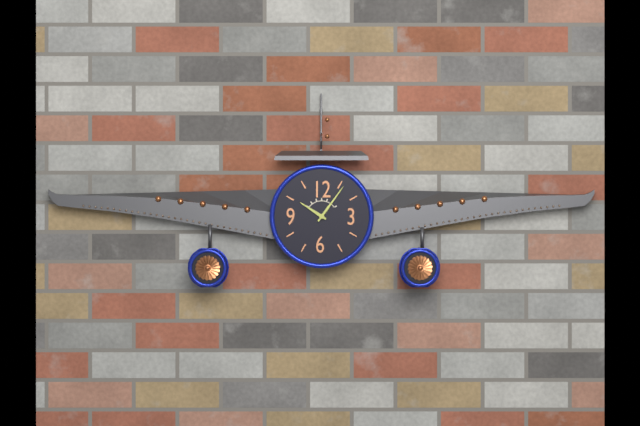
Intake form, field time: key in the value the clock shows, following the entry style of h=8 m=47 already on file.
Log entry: h=10 m=6
